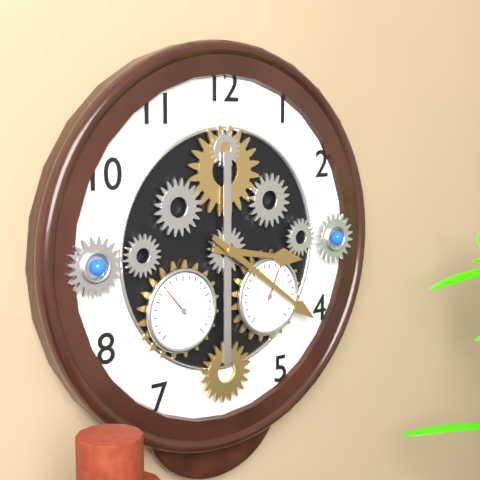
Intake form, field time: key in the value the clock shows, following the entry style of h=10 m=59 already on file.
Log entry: h=3 m=21
